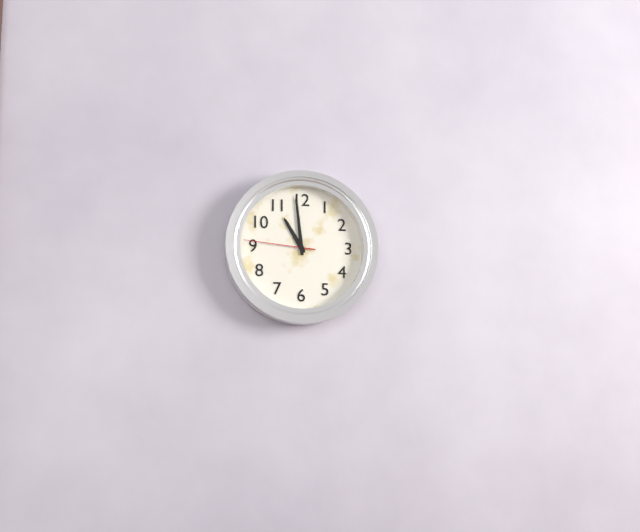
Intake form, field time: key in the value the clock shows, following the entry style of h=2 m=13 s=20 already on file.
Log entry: h=10 m=59 s=46
